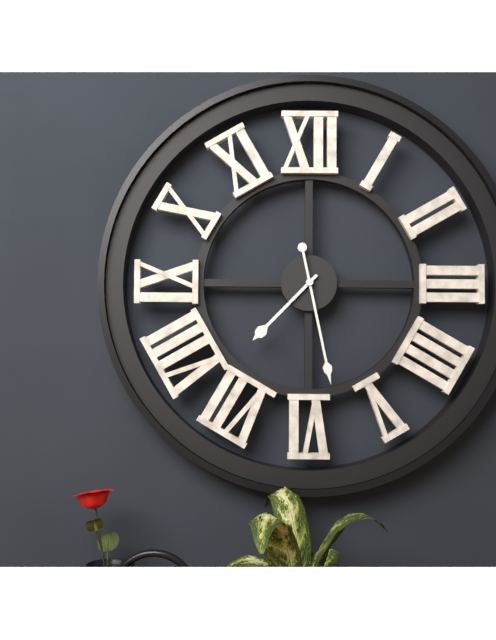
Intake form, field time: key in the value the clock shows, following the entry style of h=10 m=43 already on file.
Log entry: h=7 m=28
